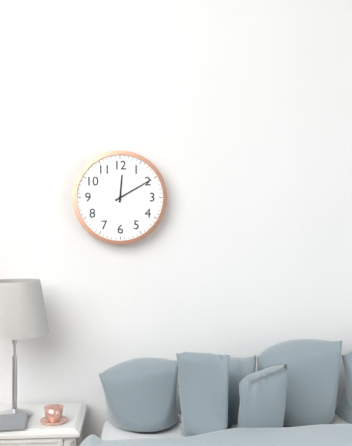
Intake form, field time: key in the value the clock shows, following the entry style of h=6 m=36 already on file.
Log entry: h=12 m=10
